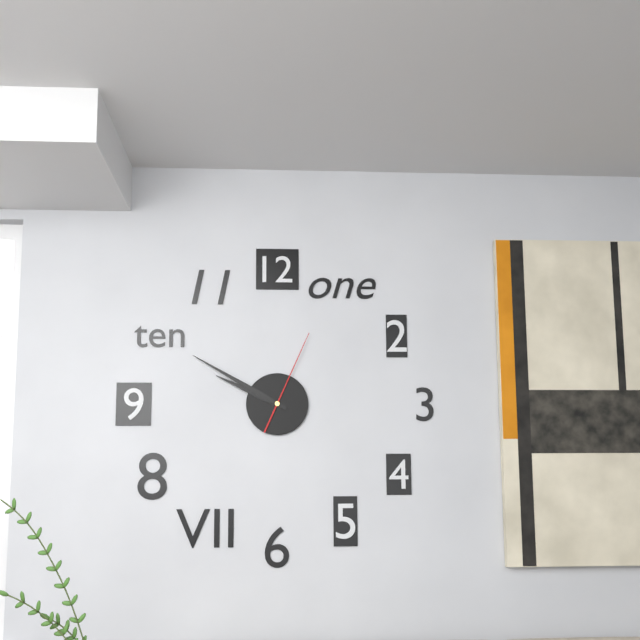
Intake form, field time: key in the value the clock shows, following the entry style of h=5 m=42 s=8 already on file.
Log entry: h=9 m=50 s=4
